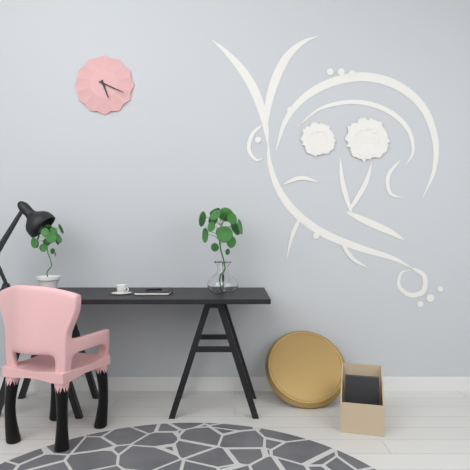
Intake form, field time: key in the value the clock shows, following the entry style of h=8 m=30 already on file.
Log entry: h=5 m=19
